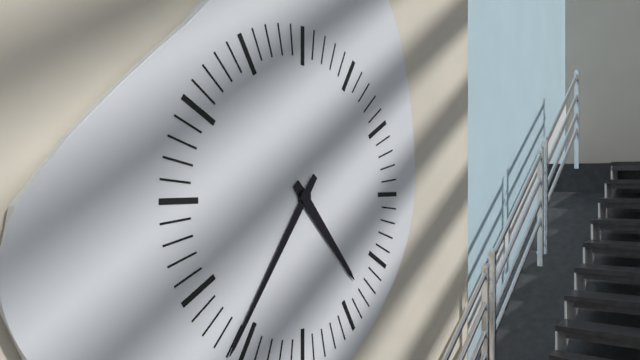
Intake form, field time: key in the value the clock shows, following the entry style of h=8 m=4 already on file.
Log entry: h=4 m=36
